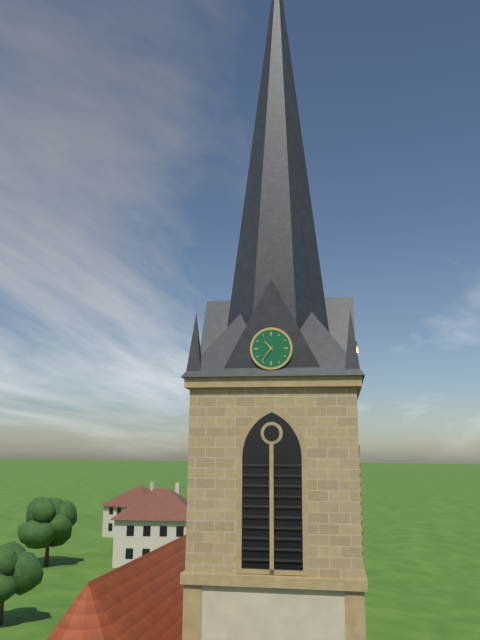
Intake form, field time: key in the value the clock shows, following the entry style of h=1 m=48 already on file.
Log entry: h=10 m=36
